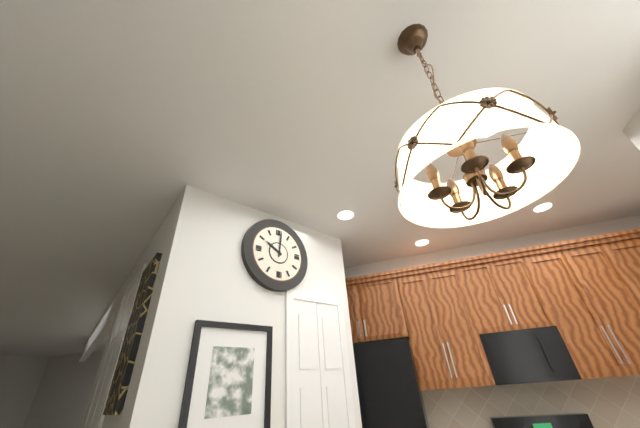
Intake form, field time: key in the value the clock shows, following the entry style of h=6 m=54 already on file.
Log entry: h=10 m=1
